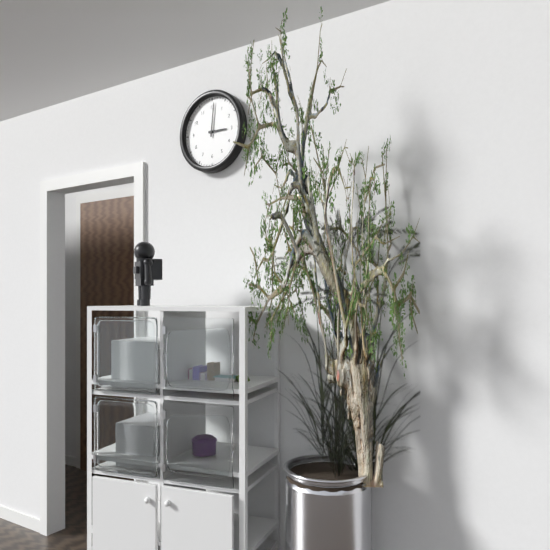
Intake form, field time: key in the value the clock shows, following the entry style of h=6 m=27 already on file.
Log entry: h=3 m=1
